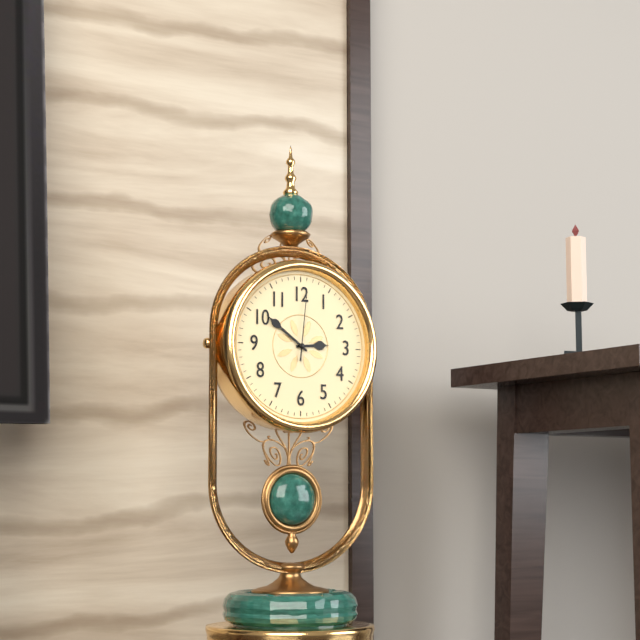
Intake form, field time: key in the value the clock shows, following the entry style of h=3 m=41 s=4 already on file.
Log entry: h=2 m=51 s=1
